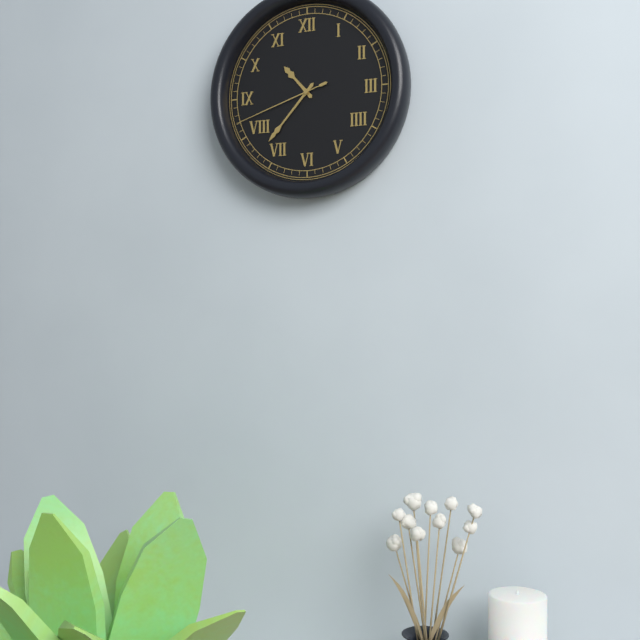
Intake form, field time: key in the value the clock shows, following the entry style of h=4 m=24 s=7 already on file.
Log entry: h=10 m=37 s=42
